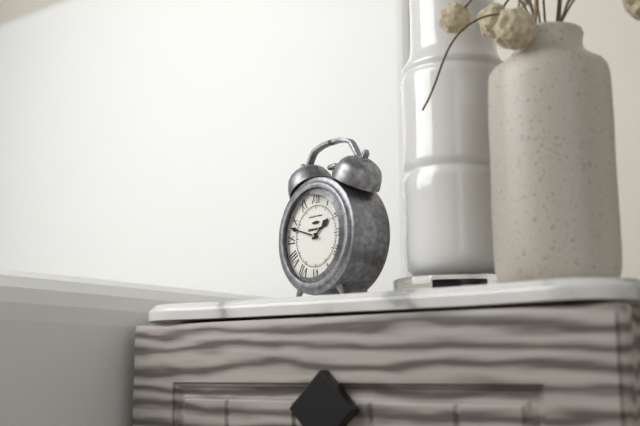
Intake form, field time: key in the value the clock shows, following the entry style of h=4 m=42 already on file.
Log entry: h=1 m=48
